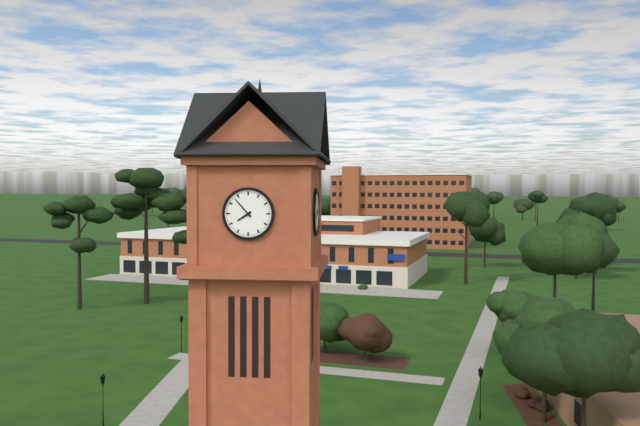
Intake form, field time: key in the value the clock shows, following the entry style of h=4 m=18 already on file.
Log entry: h=7 m=53
